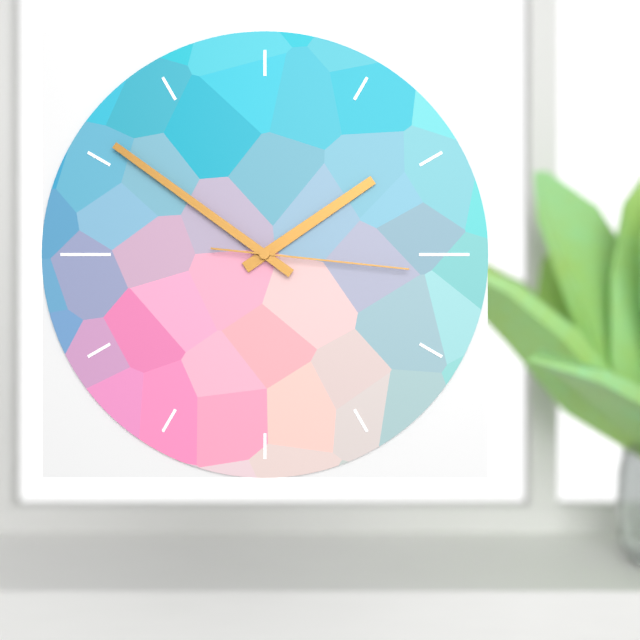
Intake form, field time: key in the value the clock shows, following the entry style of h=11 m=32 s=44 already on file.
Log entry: h=1 m=51 s=16
